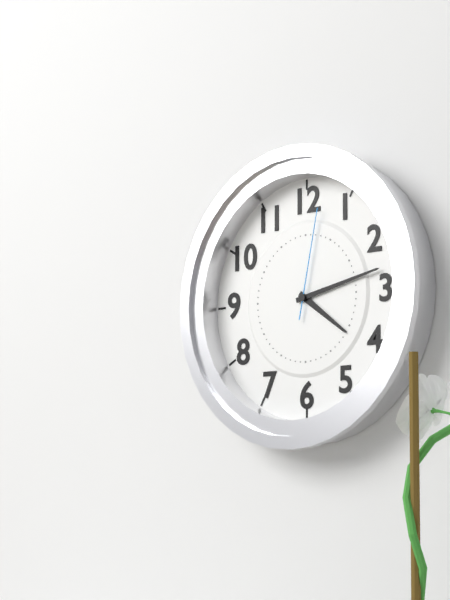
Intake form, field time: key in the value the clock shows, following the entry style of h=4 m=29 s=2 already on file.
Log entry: h=4 m=13 s=2
